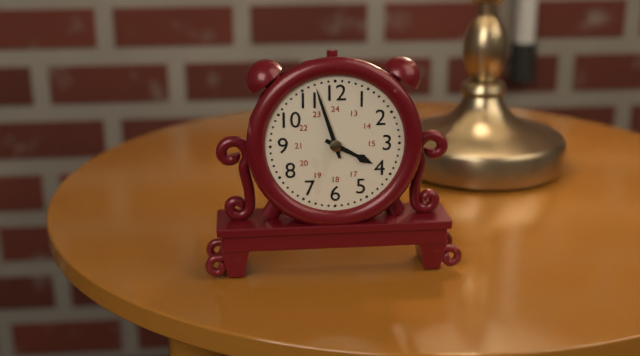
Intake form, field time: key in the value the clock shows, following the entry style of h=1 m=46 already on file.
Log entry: h=3 m=57
